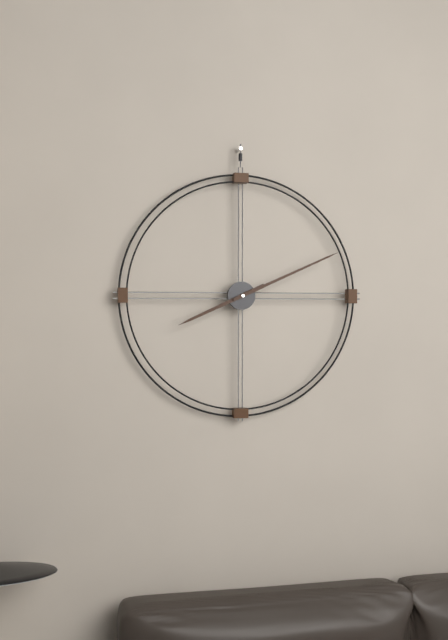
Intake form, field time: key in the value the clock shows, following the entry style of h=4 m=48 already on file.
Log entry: h=8 m=11
